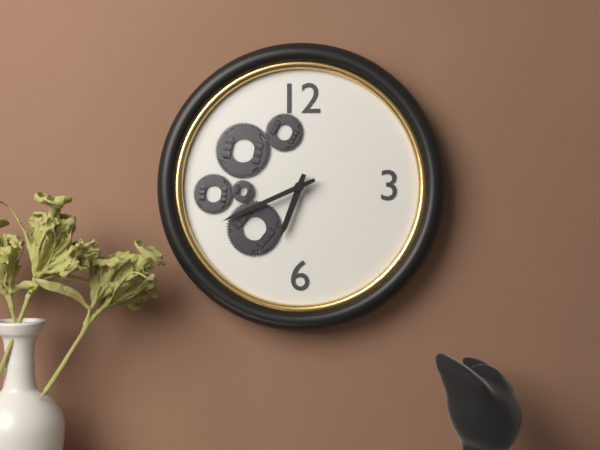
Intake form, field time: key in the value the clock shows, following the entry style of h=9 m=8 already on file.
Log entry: h=6 m=41
